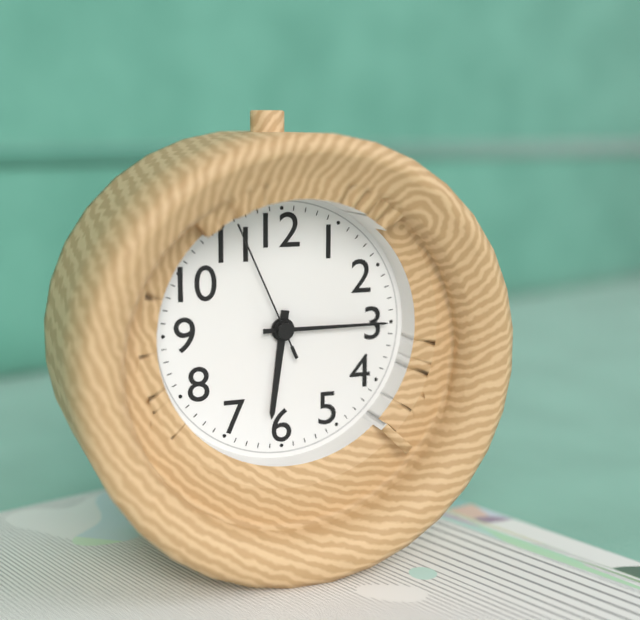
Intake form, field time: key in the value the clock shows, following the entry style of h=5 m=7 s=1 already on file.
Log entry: h=6 m=15 s=56
